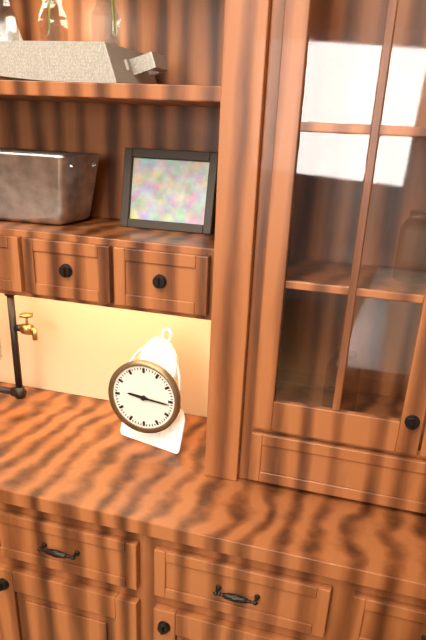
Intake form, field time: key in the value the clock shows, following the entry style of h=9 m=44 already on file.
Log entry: h=9 m=16
